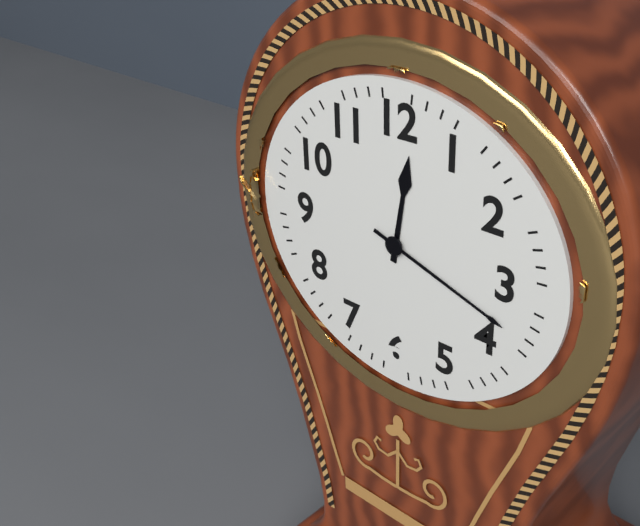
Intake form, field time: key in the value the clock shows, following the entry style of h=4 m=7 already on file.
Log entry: h=12 m=18
